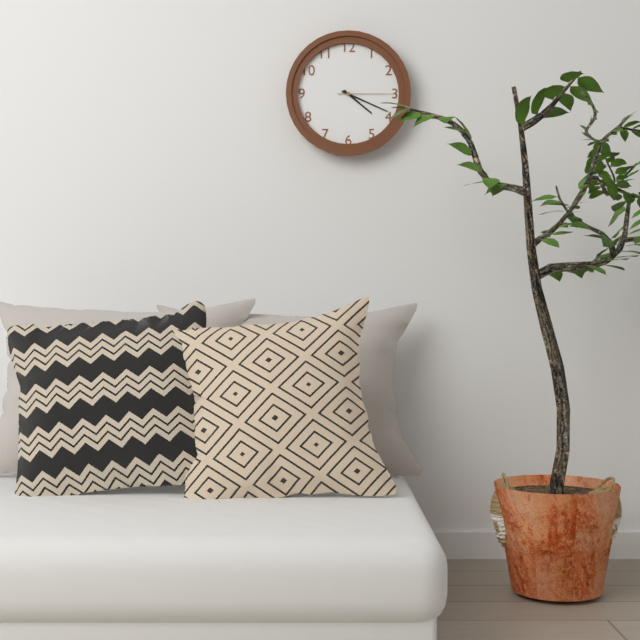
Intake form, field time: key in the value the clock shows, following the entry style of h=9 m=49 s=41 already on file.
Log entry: h=4 m=19 s=15
